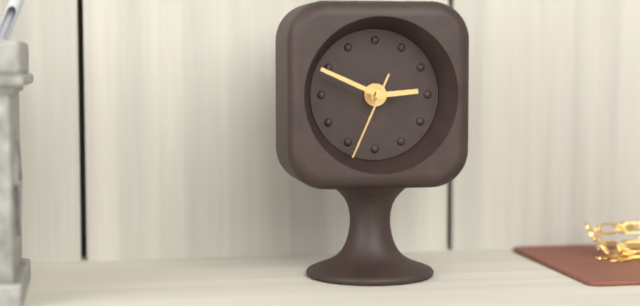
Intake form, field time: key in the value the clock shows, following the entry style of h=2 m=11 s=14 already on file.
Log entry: h=2 m=49 s=34
